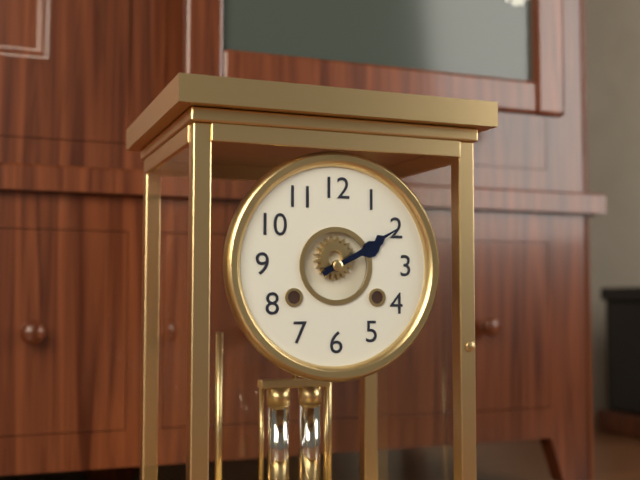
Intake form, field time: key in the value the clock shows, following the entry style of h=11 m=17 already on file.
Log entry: h=2 m=10
